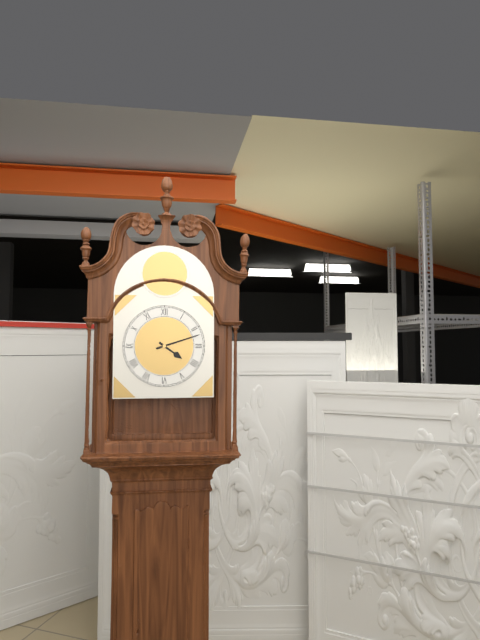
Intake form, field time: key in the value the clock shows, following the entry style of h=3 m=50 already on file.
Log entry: h=4 m=12
